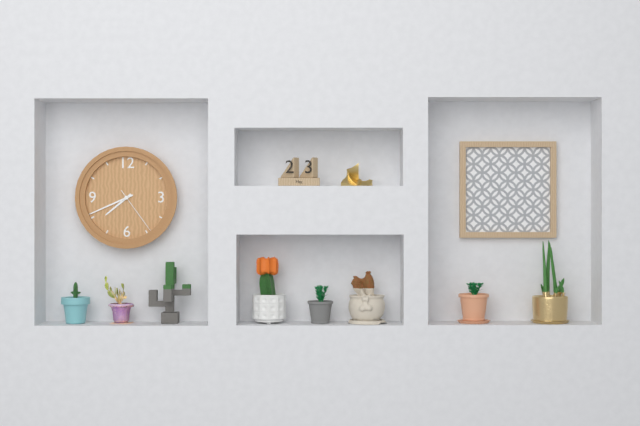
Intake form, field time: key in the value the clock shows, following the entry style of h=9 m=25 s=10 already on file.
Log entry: h=7 m=41 s=24
